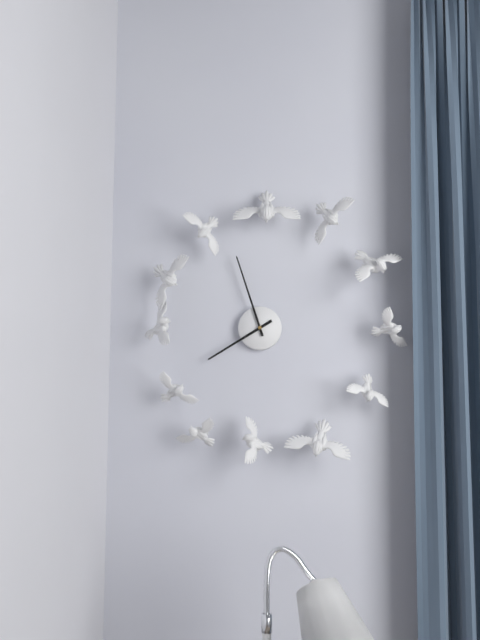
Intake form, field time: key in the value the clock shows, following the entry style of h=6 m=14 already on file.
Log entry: h=7 m=57
